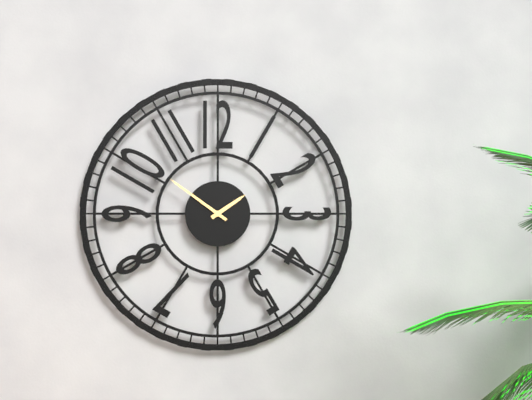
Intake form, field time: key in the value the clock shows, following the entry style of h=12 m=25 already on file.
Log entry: h=1 m=51
